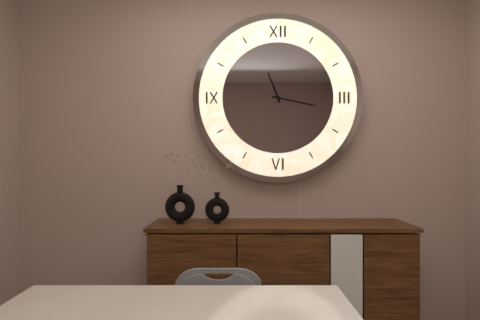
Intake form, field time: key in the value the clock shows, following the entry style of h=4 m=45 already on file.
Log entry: h=11 m=17
